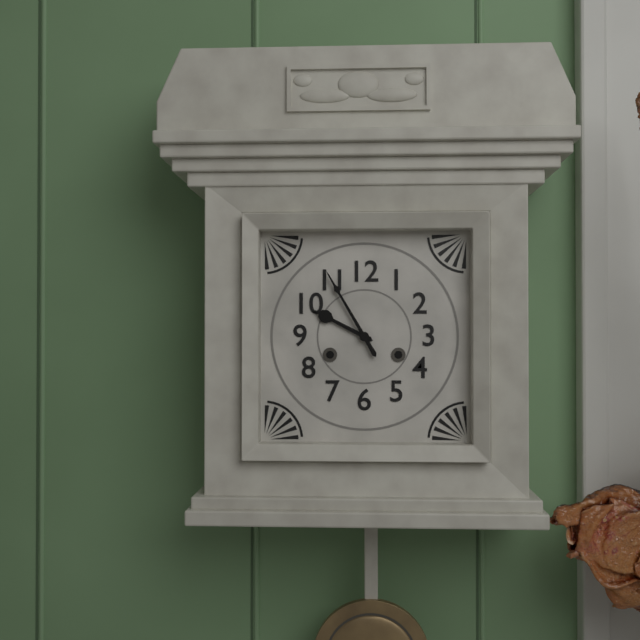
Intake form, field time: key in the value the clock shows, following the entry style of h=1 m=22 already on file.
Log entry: h=9 m=55
